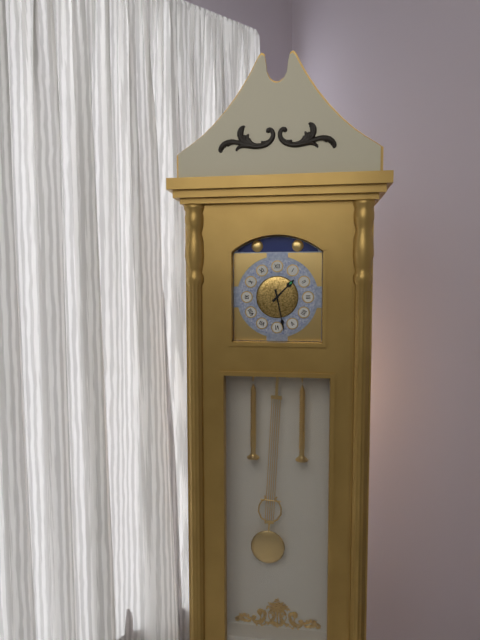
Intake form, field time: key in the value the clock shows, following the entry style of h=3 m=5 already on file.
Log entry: h=1 m=28
